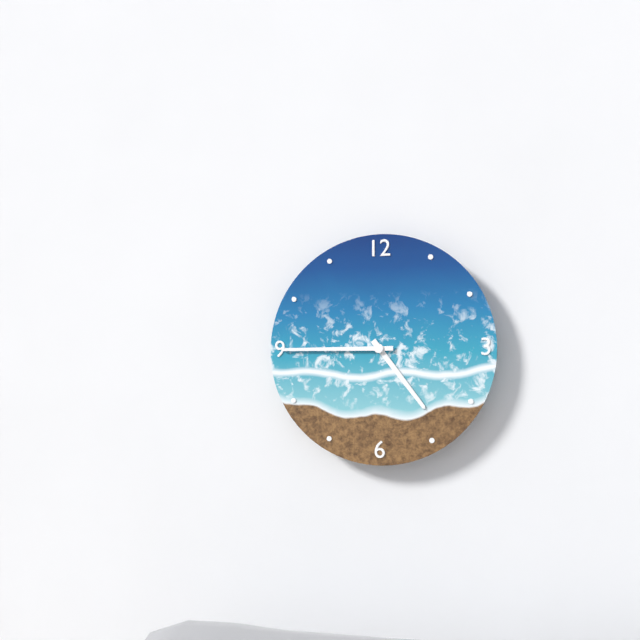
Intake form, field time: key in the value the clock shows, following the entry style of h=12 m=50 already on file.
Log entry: h=4 m=45
